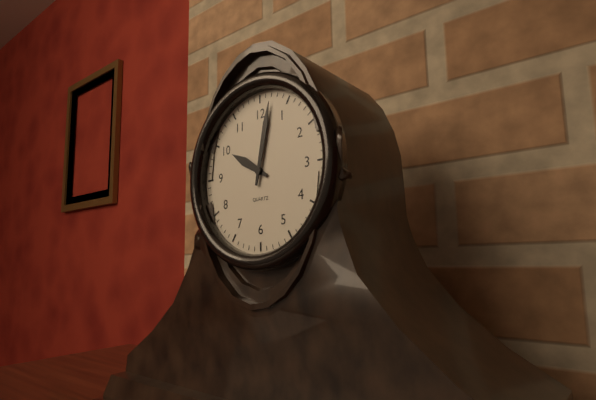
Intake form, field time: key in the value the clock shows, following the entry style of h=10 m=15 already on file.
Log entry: h=10 m=2
